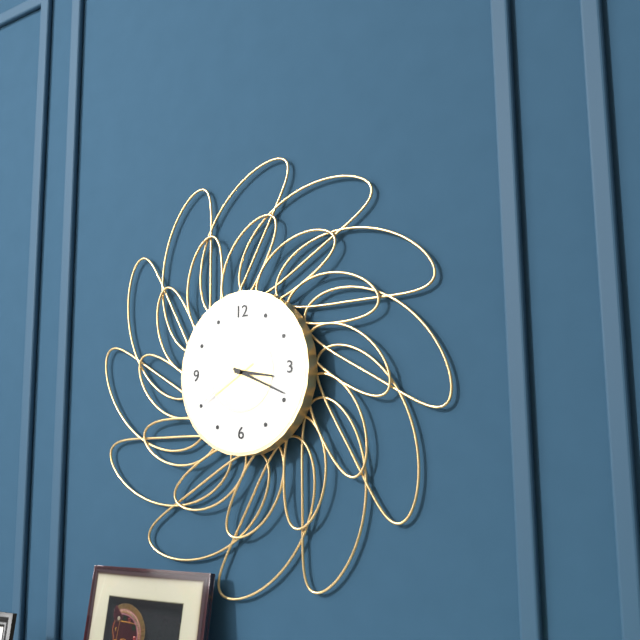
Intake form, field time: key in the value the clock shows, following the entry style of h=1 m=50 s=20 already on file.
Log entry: h=3 m=19 s=40
